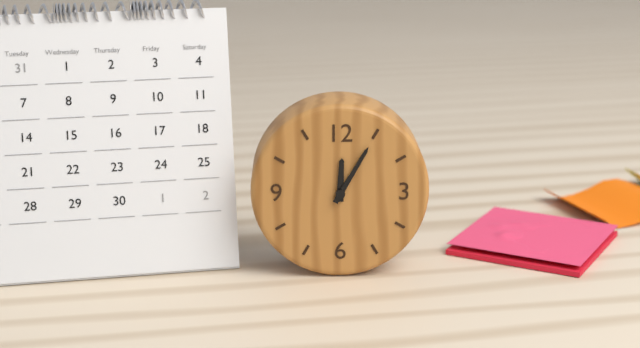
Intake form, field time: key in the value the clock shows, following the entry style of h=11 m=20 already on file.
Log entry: h=12 m=5
